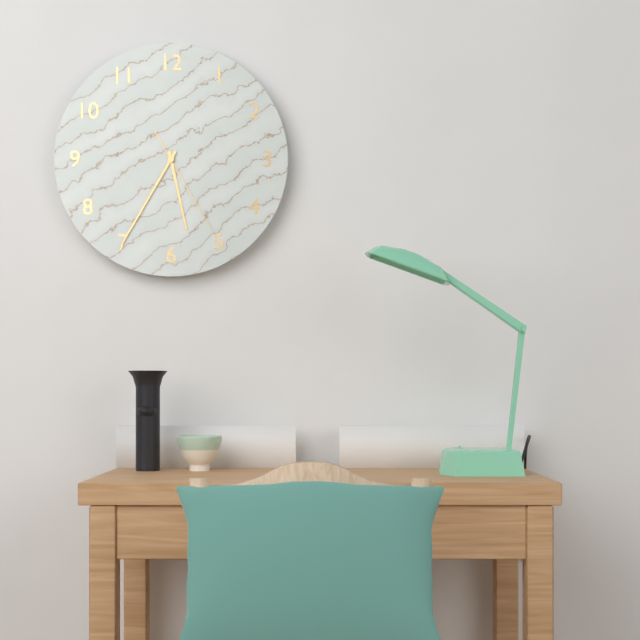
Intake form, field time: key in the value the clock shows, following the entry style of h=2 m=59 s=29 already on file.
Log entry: h=5 m=35 s=25
